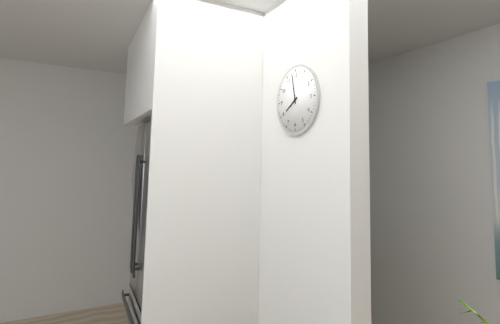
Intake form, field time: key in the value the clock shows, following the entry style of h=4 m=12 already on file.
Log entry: h=7 m=58
